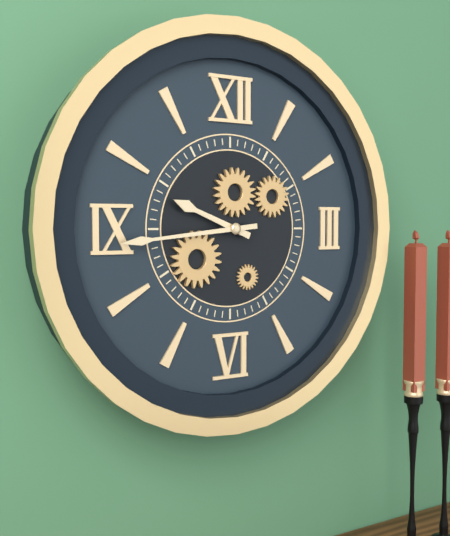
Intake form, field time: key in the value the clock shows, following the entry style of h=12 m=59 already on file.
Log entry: h=9 m=44
